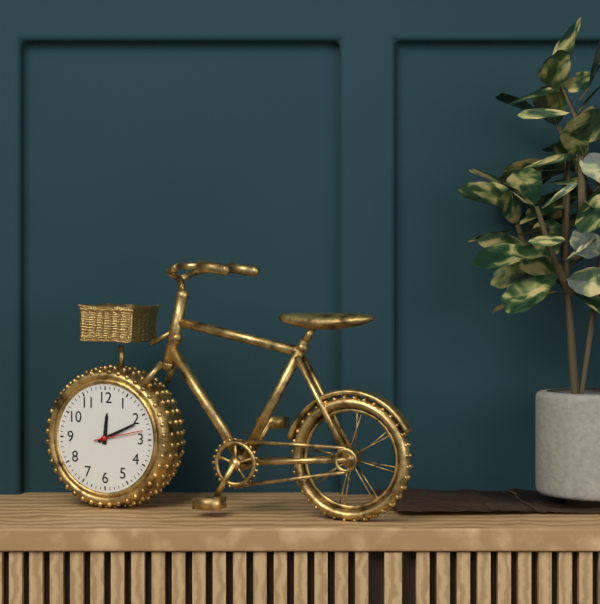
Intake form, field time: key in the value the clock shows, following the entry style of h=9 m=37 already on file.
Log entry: h=12 m=11
